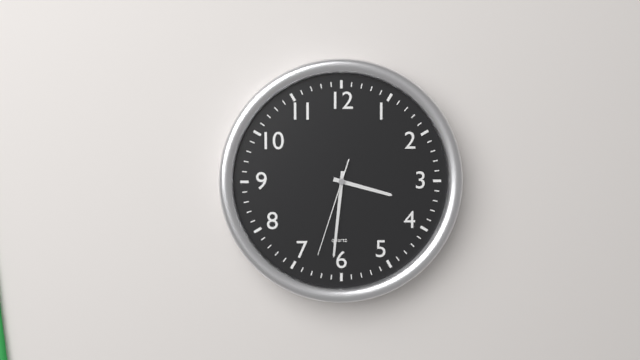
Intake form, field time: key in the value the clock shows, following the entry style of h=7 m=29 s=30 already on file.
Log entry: h=3 m=31 s=33
